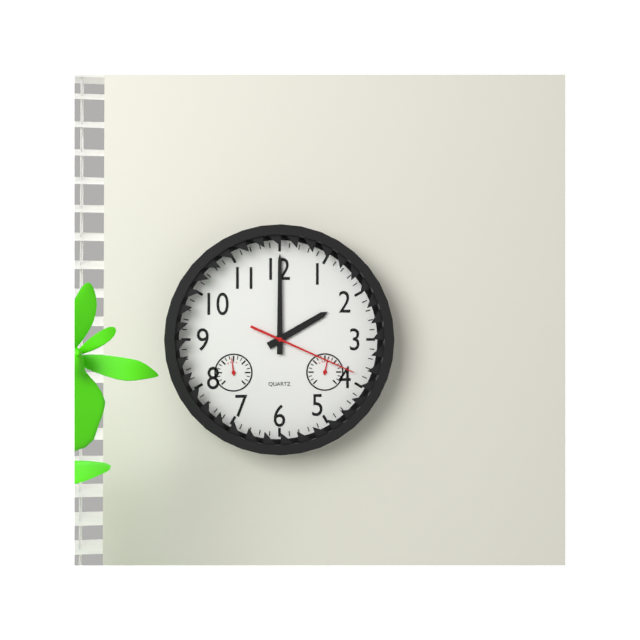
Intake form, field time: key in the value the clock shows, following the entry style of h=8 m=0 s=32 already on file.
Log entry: h=2 m=0 s=19
